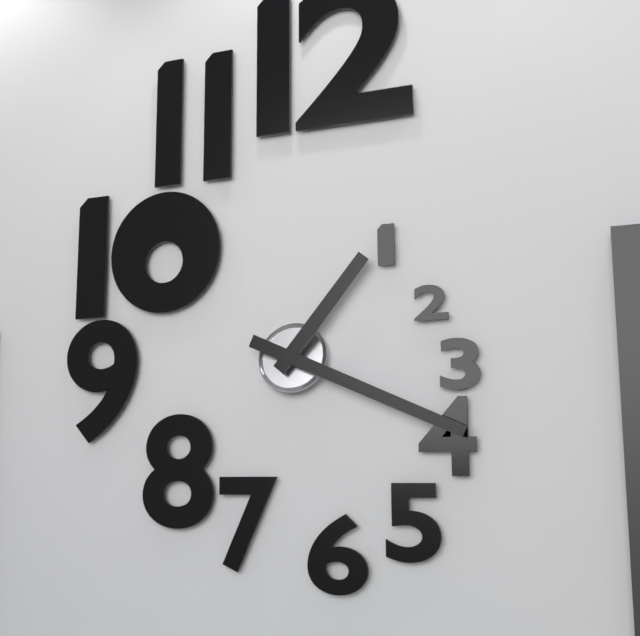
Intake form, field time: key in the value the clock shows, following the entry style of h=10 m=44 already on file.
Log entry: h=1 m=19
